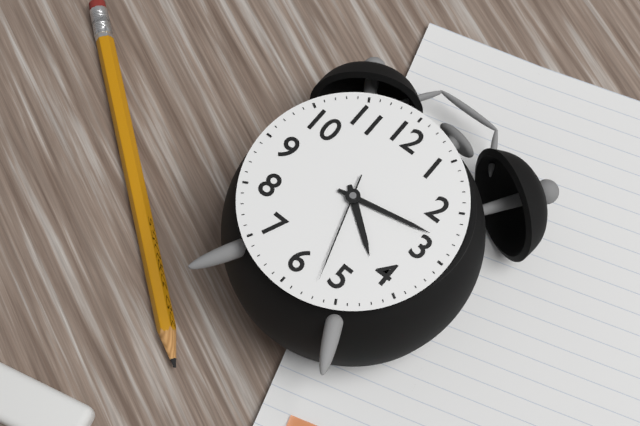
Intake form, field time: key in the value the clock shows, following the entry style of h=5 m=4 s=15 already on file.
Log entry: h=4 m=13 s=27
